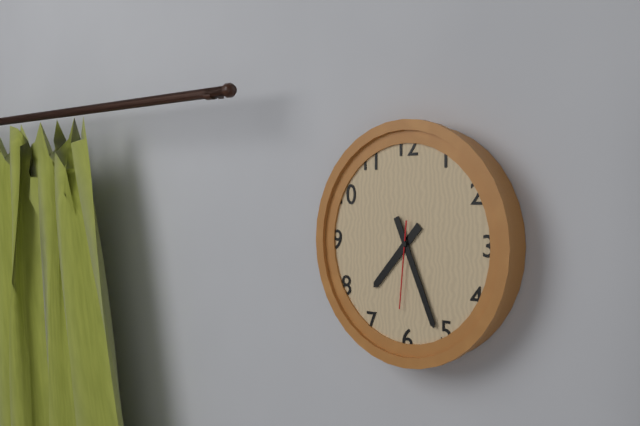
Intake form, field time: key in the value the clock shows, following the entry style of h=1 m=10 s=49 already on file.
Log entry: h=7 m=26 s=31
